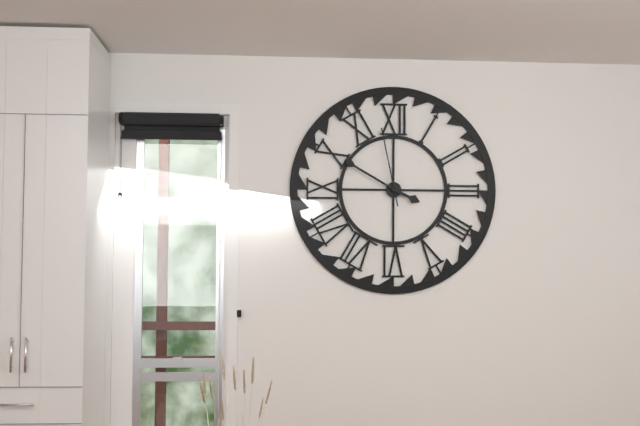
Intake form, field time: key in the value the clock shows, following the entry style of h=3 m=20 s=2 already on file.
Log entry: h=3 m=50 s=58
